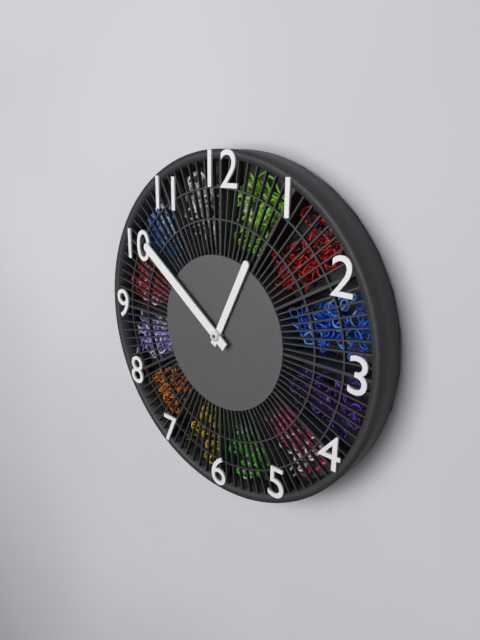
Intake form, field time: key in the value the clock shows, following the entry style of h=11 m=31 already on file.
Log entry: h=12 m=51
